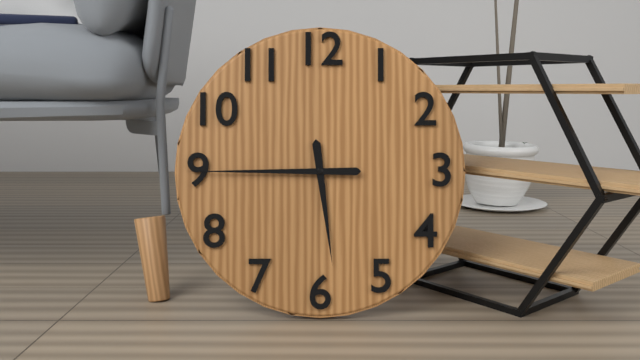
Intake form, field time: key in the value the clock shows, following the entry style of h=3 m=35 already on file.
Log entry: h=5 m=45
